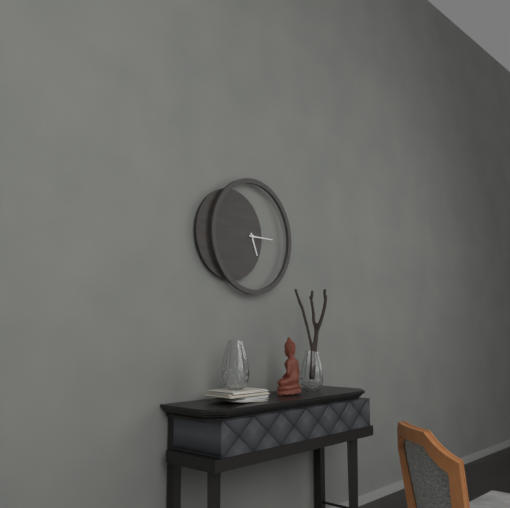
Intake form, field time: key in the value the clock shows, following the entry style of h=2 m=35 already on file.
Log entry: h=5 m=15
